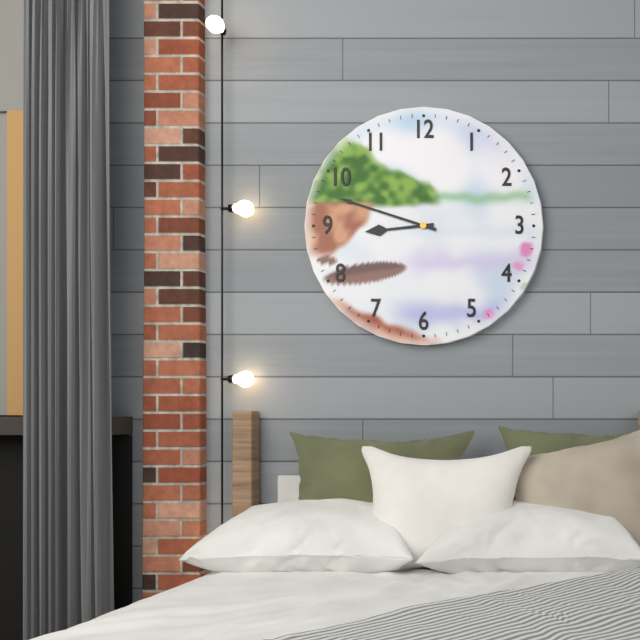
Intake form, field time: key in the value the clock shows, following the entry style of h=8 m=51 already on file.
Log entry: h=8 m=48
